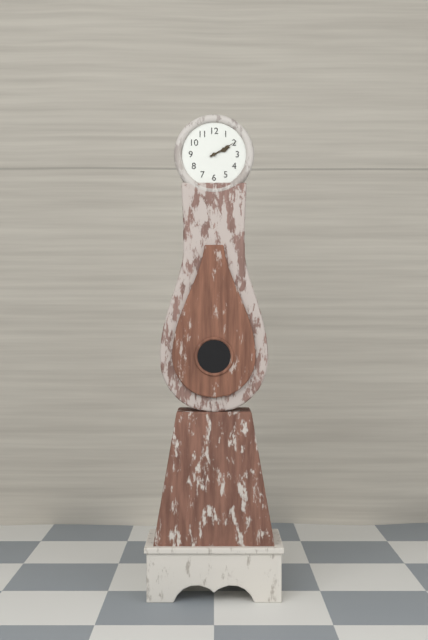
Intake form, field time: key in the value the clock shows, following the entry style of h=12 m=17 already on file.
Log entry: h=2 m=10
